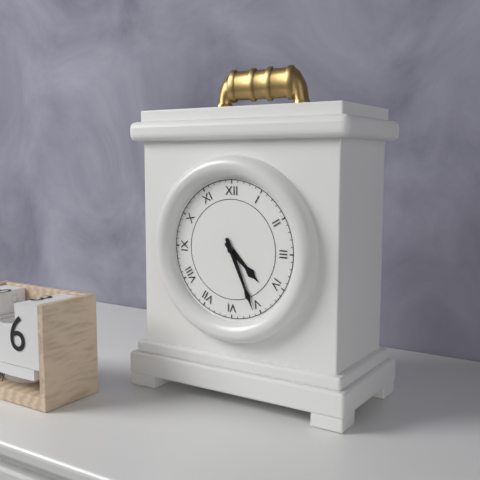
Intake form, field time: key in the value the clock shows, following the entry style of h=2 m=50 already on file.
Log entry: h=4 m=26
